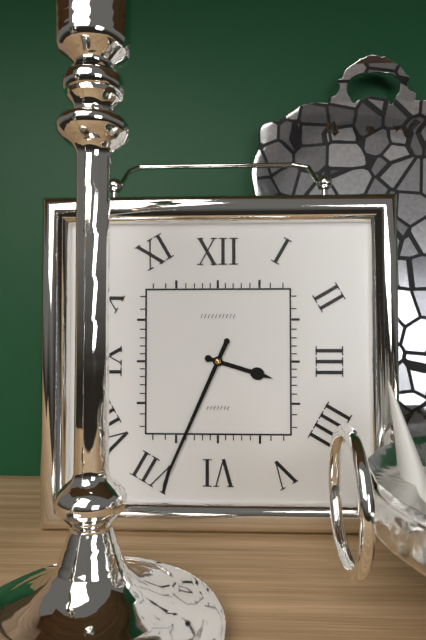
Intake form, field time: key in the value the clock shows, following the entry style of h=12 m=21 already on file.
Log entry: h=3 m=34
